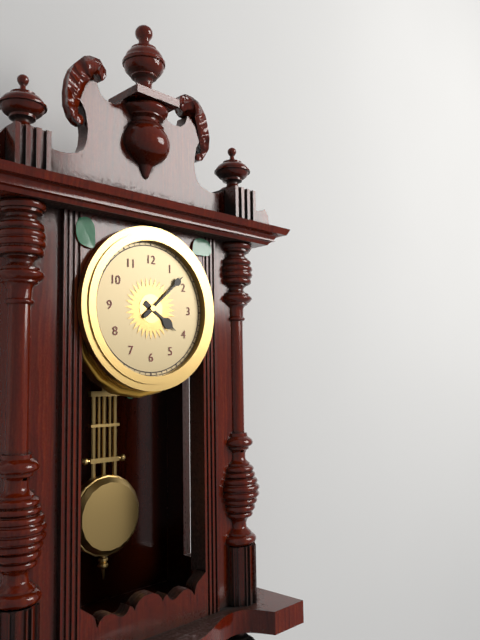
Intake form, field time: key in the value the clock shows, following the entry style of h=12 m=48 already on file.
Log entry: h=4 m=8
